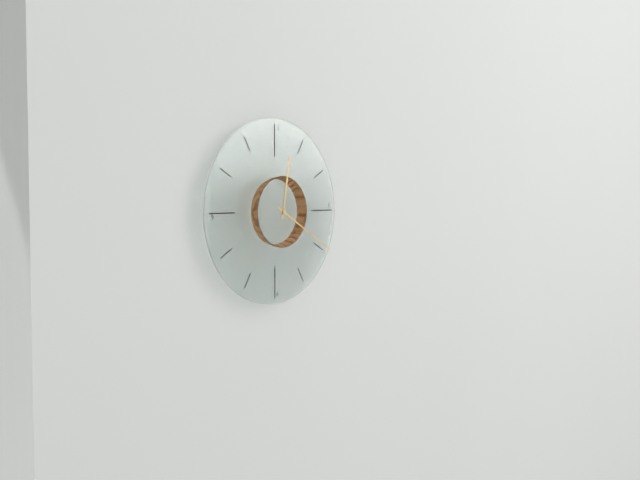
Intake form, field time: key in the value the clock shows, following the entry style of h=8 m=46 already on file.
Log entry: h=12 m=20
